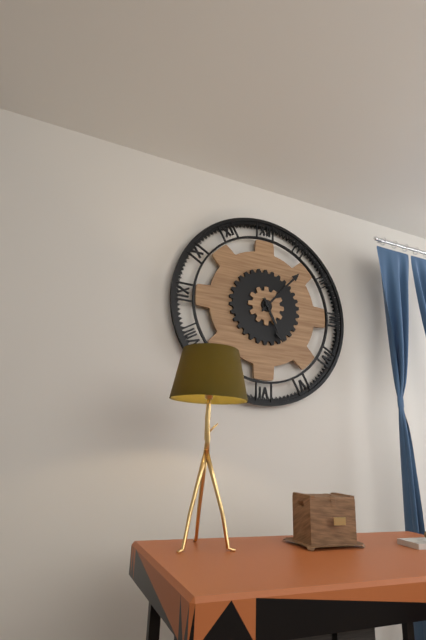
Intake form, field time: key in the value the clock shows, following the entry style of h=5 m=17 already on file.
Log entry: h=5 m=7
